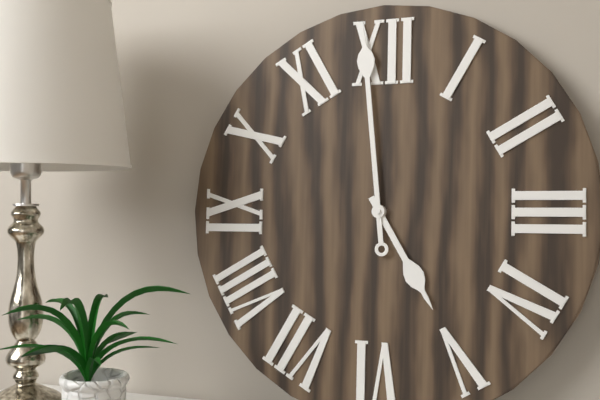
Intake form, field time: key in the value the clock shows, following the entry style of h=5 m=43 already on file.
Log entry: h=4 m=59
